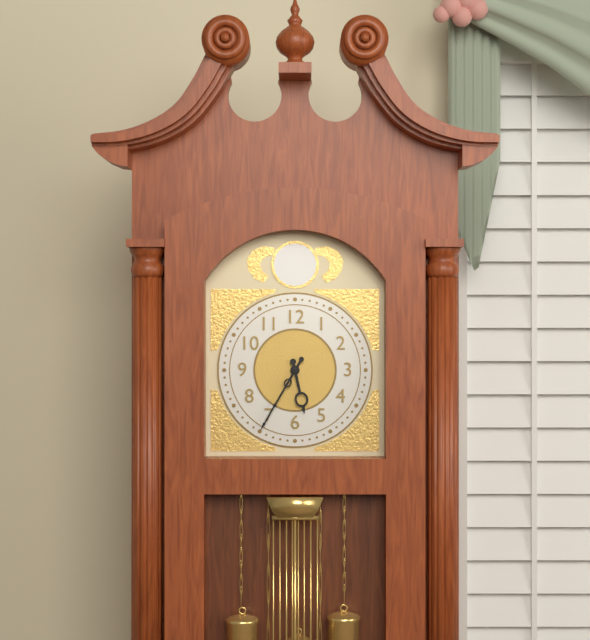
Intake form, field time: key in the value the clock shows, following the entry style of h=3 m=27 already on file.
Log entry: h=5 m=35
